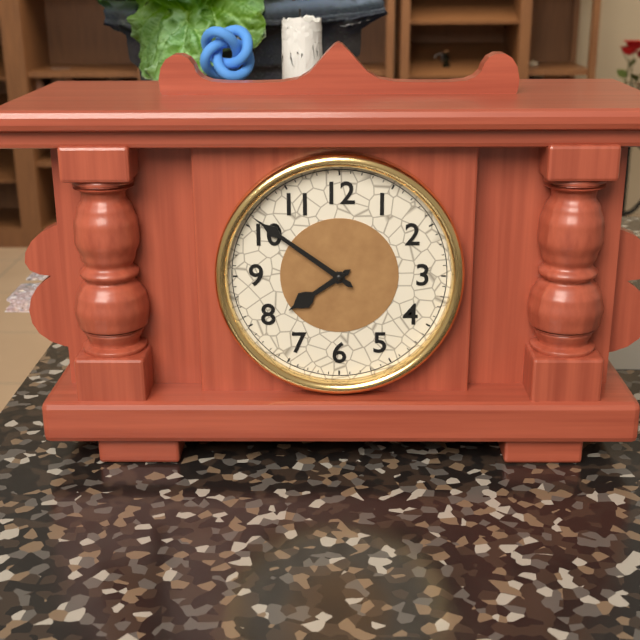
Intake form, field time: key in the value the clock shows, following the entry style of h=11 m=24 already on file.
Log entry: h=7 m=51
